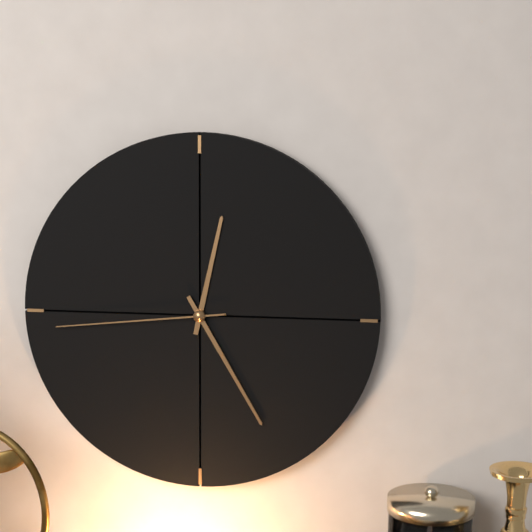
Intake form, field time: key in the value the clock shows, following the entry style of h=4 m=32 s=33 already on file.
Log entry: h=12 m=25 s=44
